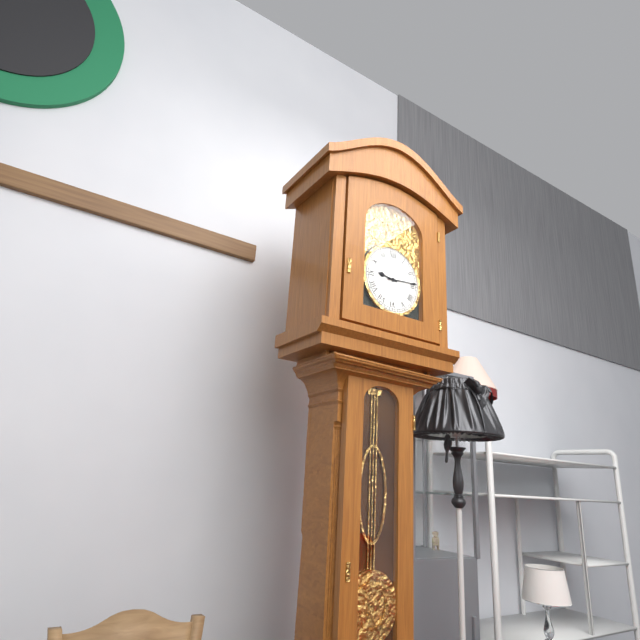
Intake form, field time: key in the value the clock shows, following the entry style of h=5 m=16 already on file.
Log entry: h=9 m=14
